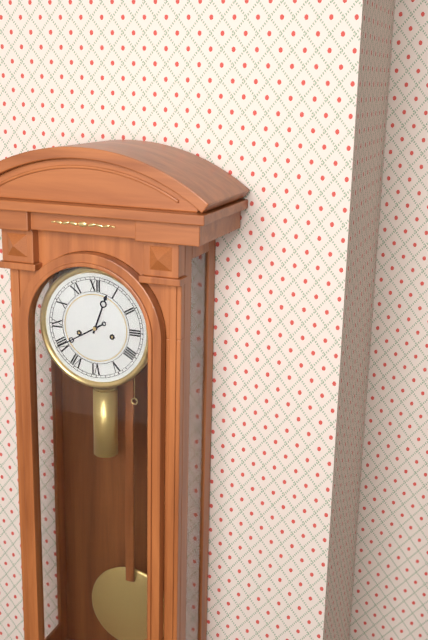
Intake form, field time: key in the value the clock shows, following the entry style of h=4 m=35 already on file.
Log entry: h=12 m=40
